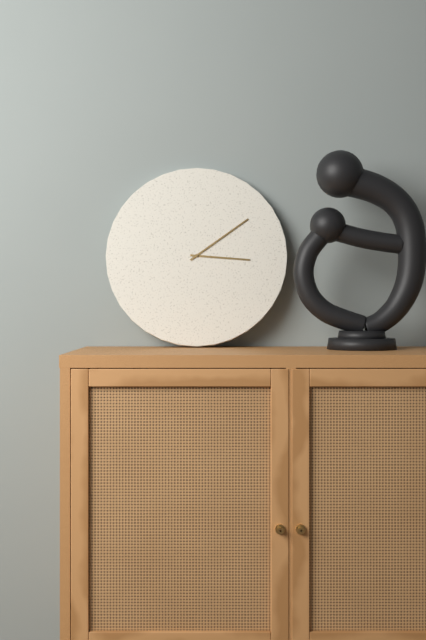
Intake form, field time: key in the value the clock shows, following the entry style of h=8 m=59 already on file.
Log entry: h=3 m=9
